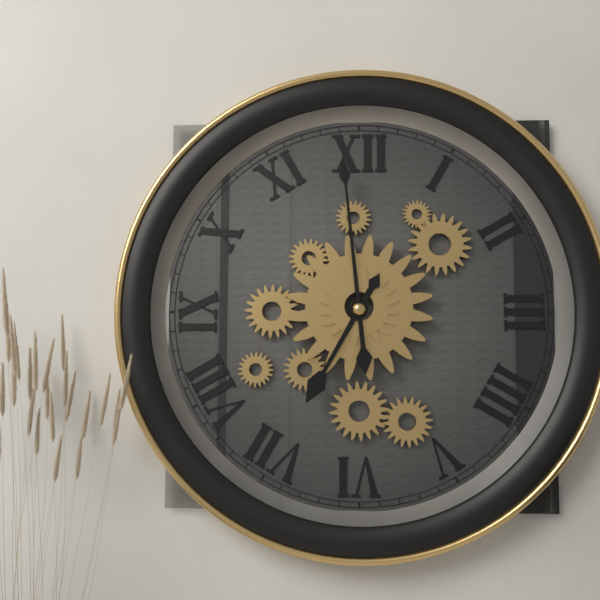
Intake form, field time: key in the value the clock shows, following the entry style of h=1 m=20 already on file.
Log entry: h=6 m=59
